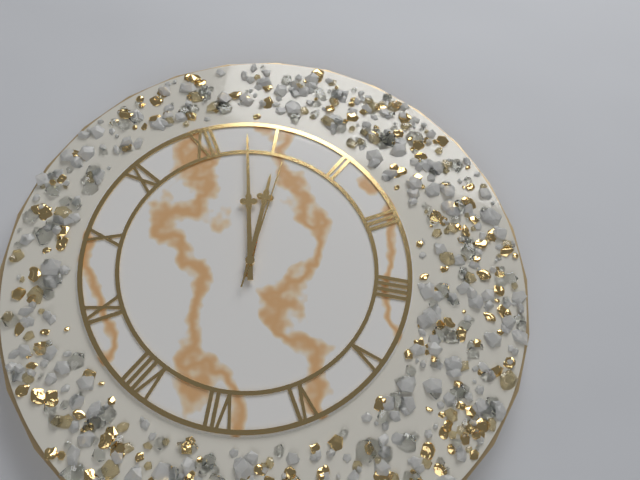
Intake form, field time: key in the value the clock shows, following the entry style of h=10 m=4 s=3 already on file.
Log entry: h=1 m=3 s=6
